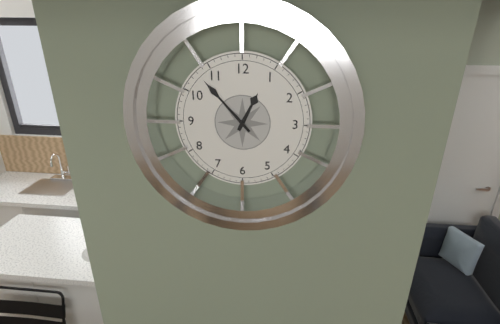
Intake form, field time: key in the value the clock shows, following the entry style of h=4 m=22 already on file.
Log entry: h=12 m=53
